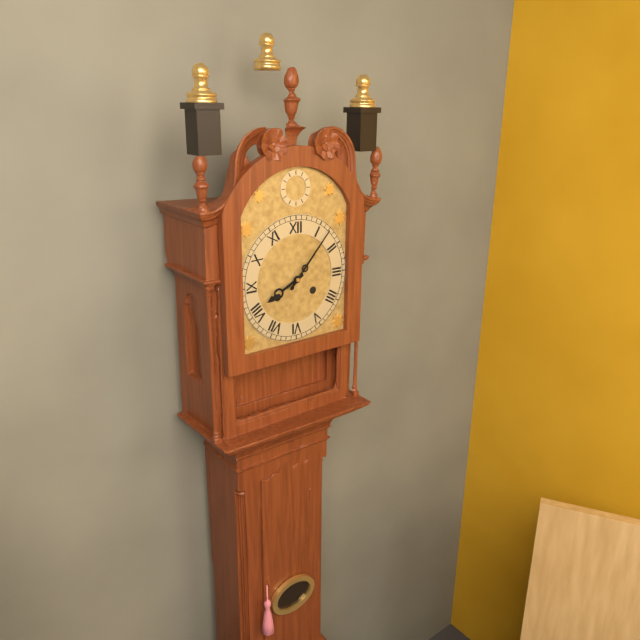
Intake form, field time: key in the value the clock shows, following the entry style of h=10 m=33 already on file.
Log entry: h=8 m=7
